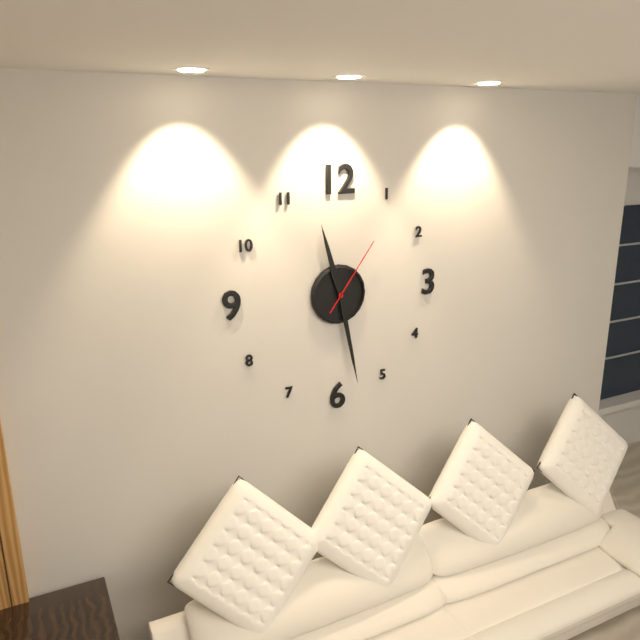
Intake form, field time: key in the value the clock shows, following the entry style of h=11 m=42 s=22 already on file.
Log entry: h=11 m=28 s=6
